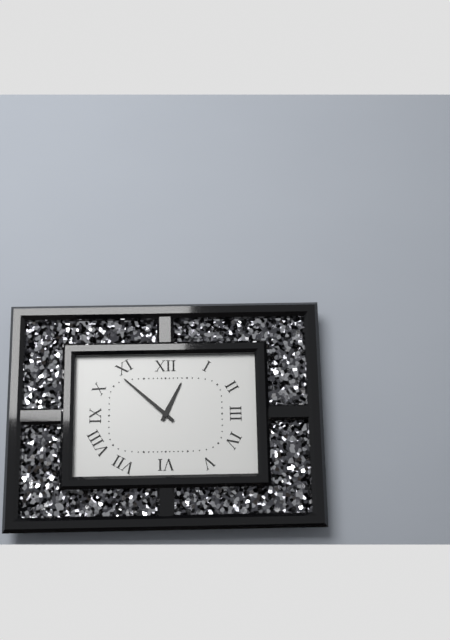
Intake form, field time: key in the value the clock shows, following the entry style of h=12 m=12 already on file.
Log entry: h=12 m=52
